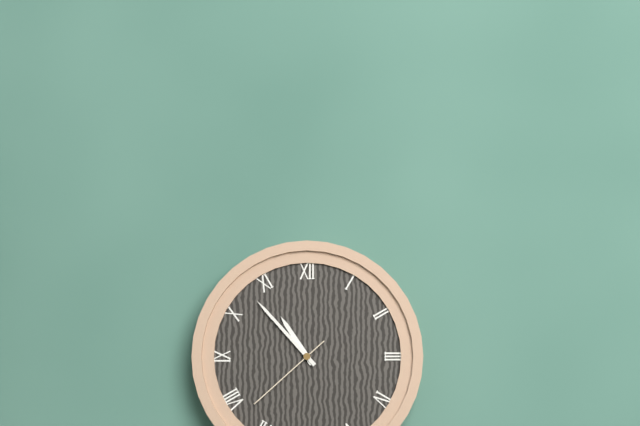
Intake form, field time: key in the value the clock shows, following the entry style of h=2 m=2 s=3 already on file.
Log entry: h=10 m=53 s=38
